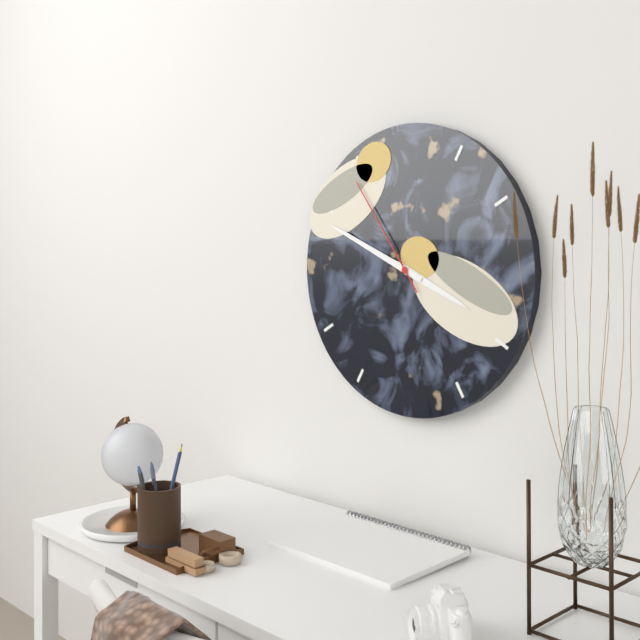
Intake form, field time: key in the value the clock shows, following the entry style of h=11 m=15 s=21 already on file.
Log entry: h=3 m=49 s=54
